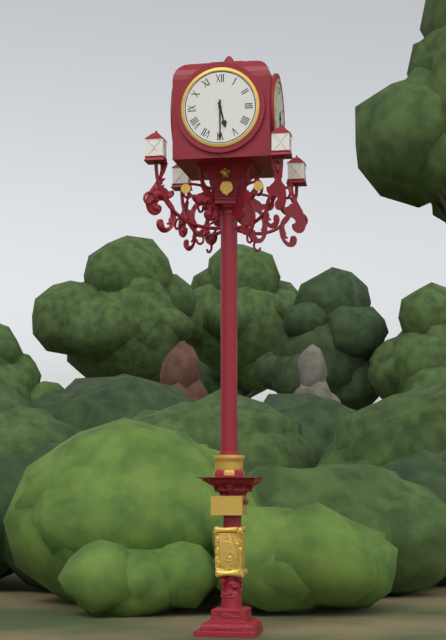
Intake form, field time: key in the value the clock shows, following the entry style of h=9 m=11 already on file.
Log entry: h=5 m=30
